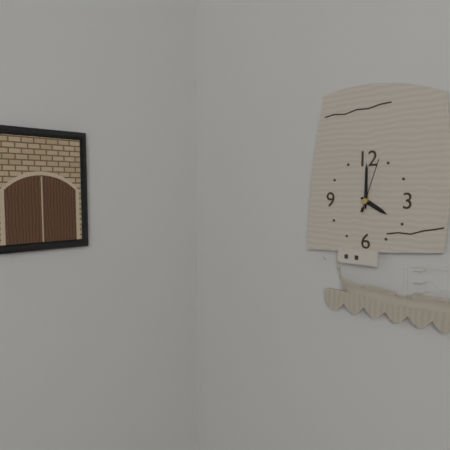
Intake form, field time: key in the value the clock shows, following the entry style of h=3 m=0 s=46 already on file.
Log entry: h=4 m=0 s=3
